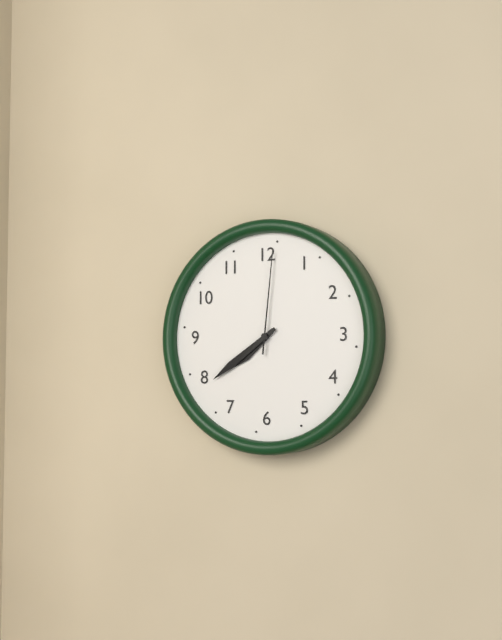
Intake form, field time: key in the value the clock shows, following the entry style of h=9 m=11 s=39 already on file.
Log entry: h=7 m=39 s=1
